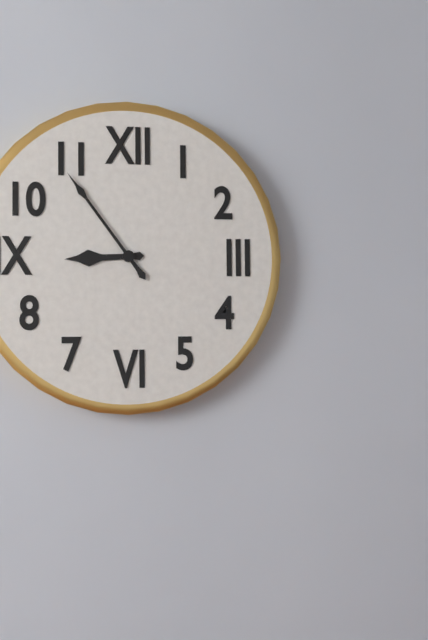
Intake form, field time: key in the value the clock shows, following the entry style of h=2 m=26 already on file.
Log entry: h=8 m=54
